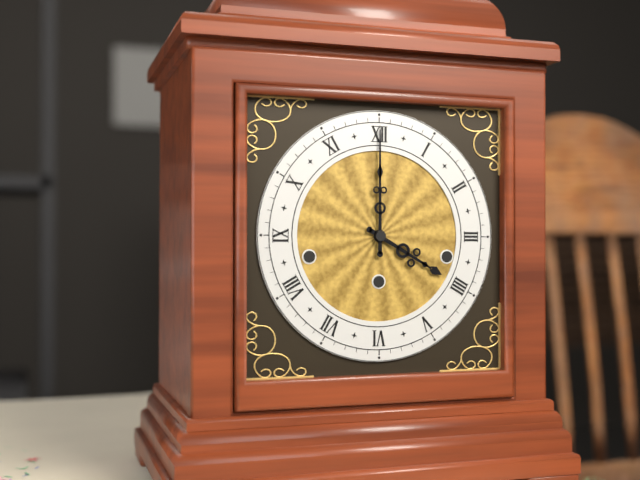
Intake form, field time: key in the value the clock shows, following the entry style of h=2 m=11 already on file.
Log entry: h=4 m=0
